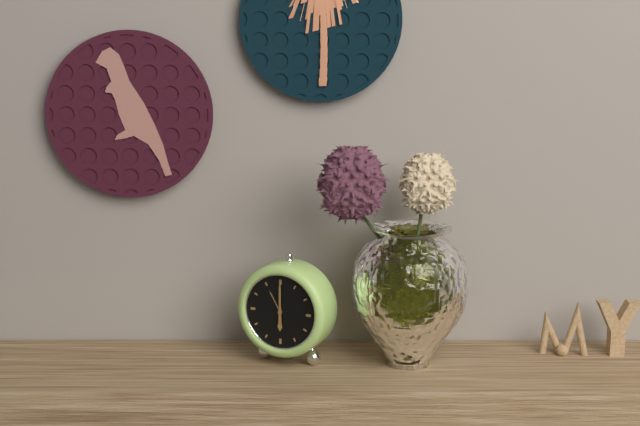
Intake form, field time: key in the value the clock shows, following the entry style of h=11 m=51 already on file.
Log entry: h=6 m=0
